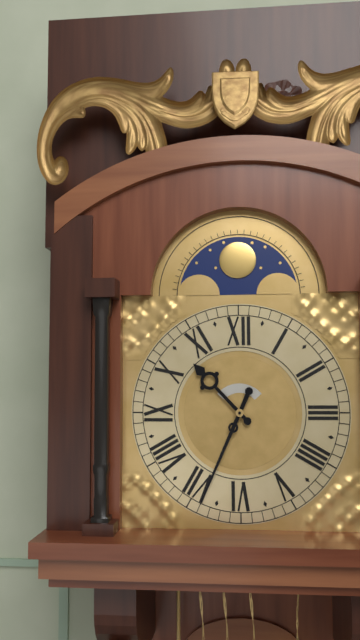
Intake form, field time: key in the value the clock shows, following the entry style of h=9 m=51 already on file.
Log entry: h=10 m=34
